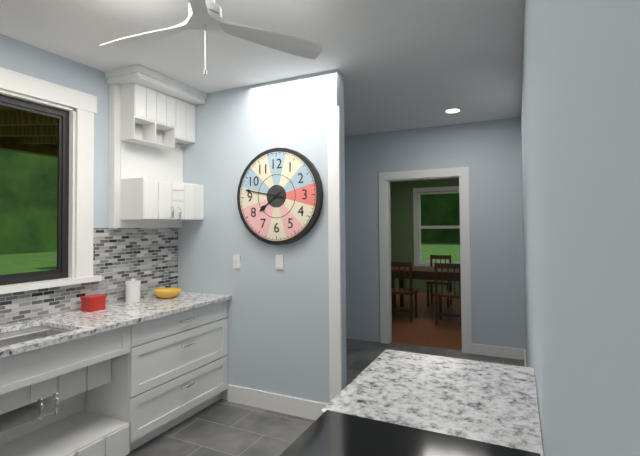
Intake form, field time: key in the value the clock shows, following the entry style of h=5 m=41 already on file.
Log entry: h=7 m=47
